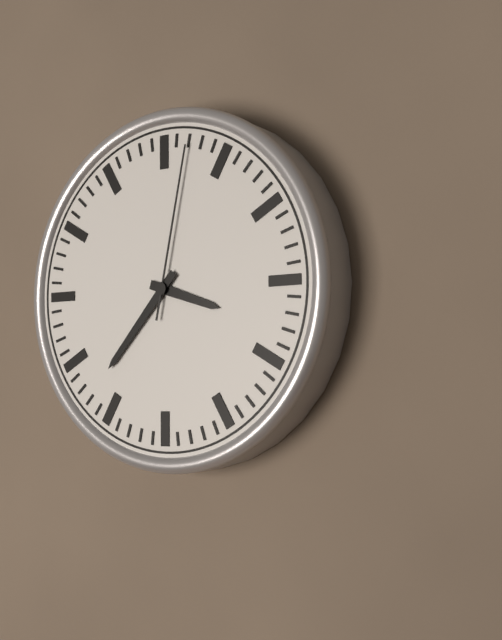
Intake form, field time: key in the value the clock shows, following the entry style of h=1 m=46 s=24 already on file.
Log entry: h=3 m=37 s=2
